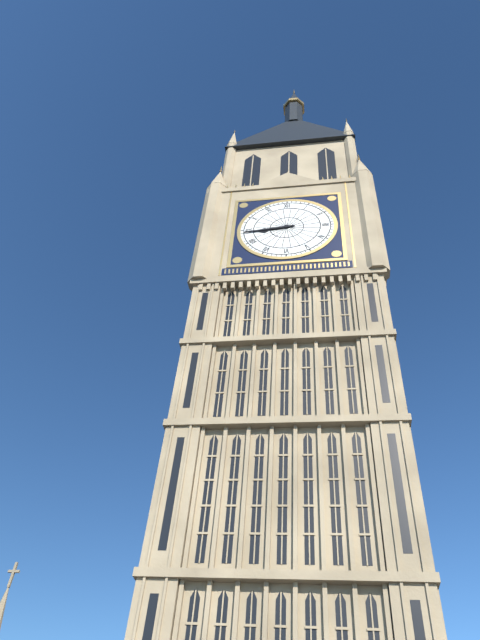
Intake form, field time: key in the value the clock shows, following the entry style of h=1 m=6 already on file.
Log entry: h=8 m=44
